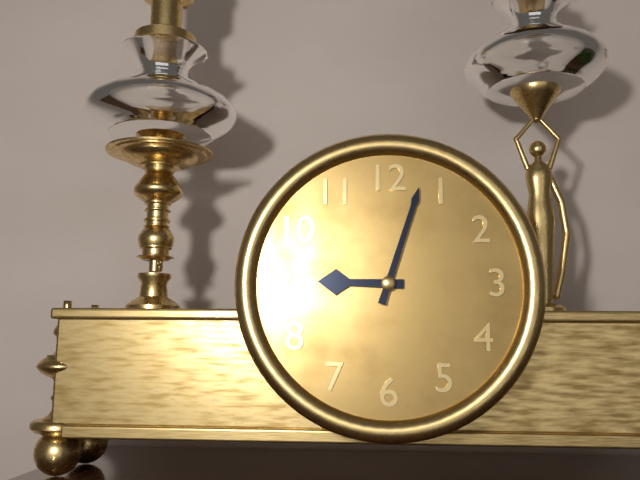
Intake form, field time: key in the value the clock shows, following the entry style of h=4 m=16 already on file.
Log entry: h=9 m=3
